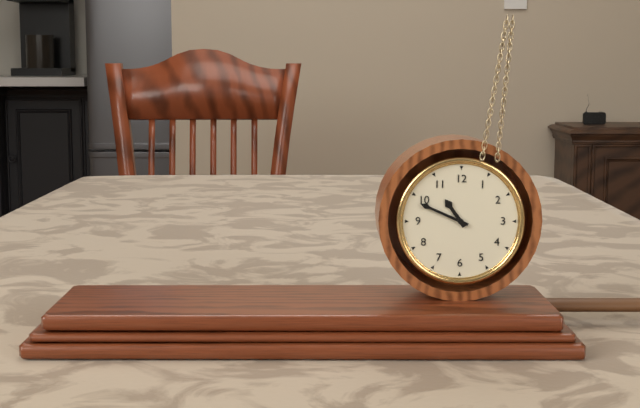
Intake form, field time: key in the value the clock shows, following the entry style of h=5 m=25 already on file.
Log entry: h=10 m=49
